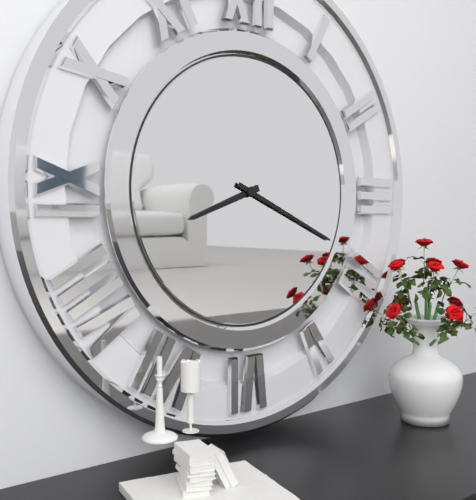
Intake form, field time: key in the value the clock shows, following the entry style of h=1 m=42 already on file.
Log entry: h=8 m=19
